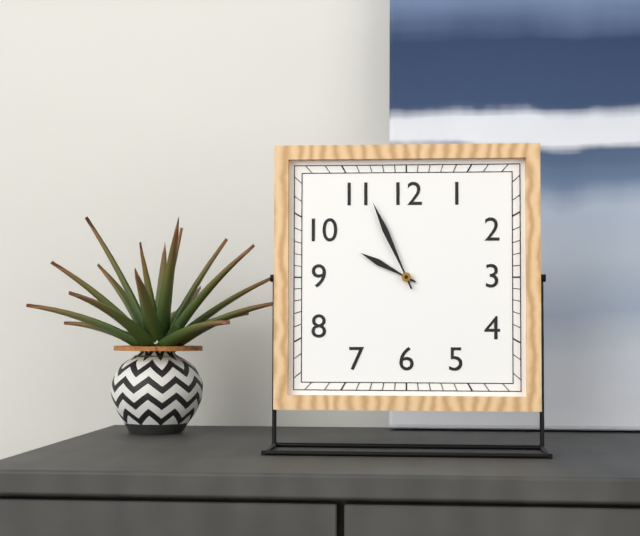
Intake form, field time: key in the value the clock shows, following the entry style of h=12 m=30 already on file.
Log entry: h=9 m=56
